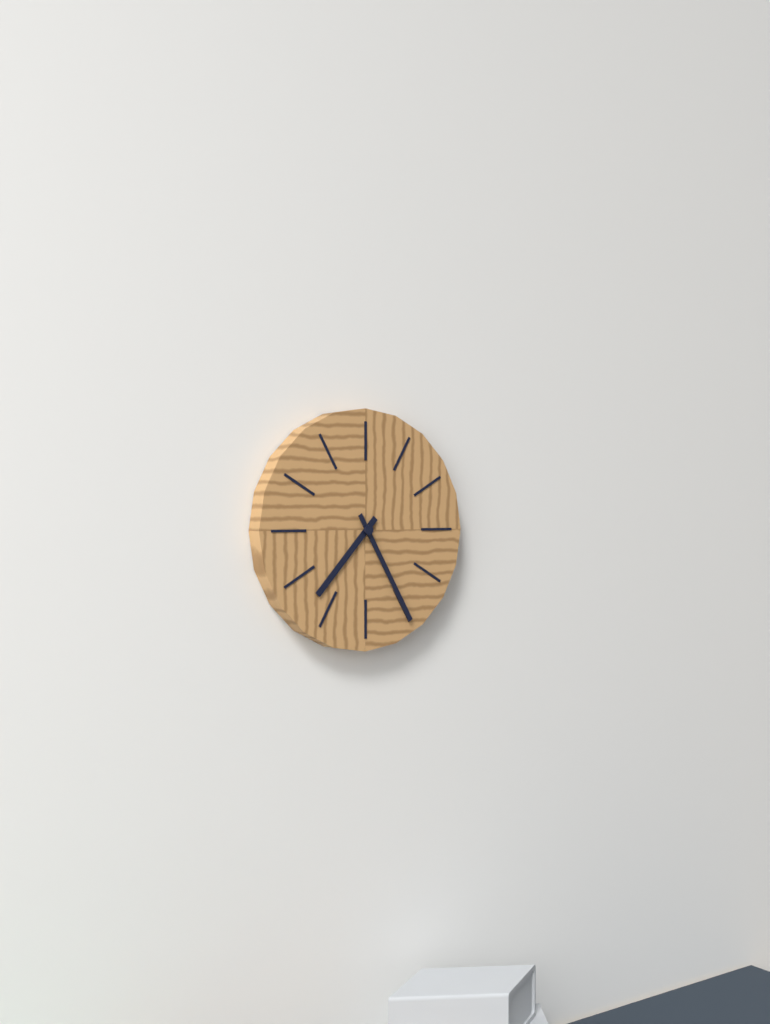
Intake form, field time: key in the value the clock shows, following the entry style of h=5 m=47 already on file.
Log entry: h=7 m=25
